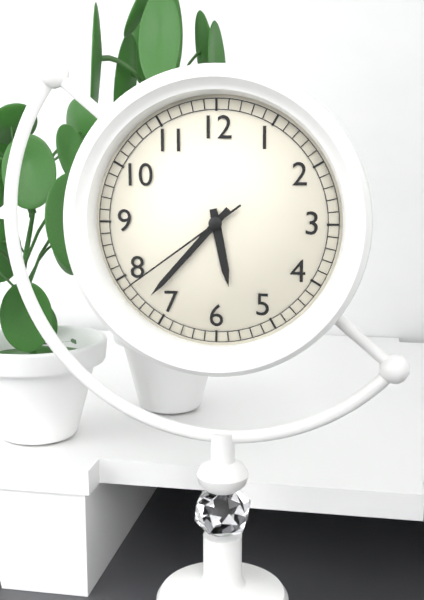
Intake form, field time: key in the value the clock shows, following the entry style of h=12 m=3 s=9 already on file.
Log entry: h=5 m=37 s=39
